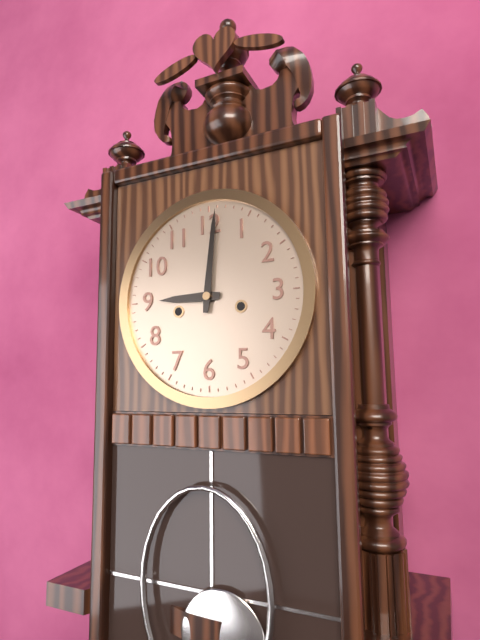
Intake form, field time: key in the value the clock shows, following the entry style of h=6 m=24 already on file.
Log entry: h=9 m=1
